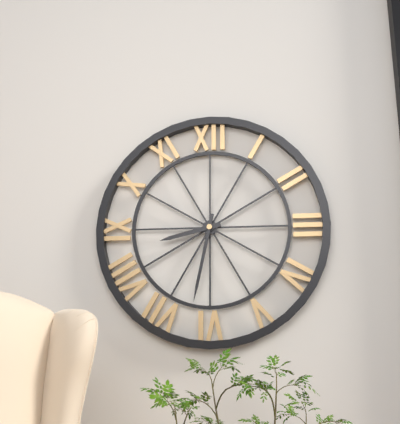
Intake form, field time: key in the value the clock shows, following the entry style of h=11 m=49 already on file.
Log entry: h=8 m=32
